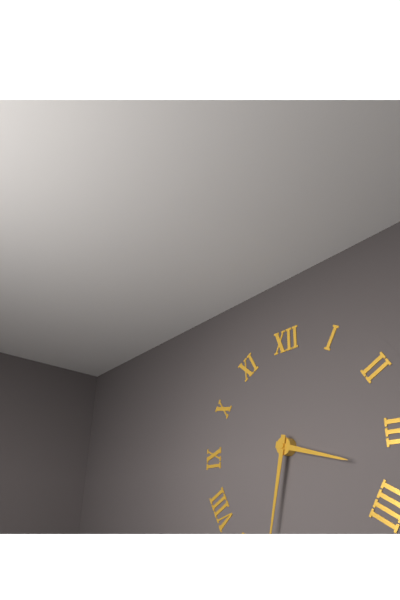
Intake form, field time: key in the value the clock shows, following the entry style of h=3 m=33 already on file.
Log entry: h=3 m=32
